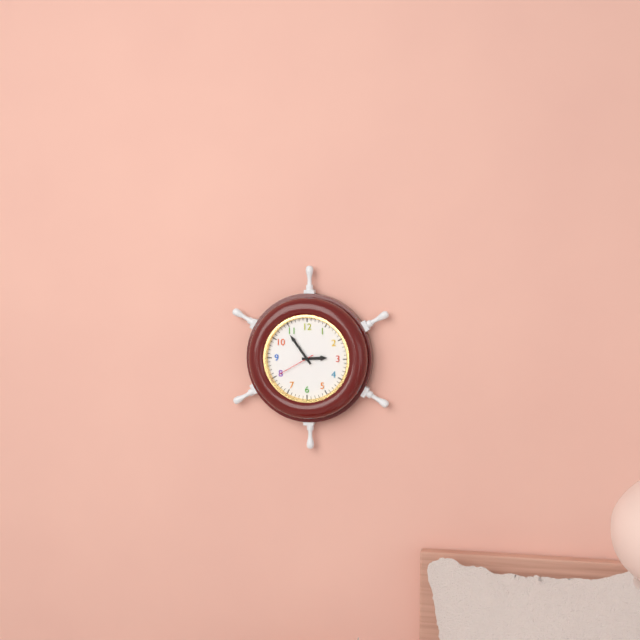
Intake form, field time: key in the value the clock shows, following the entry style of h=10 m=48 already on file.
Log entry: h=2 m=54
